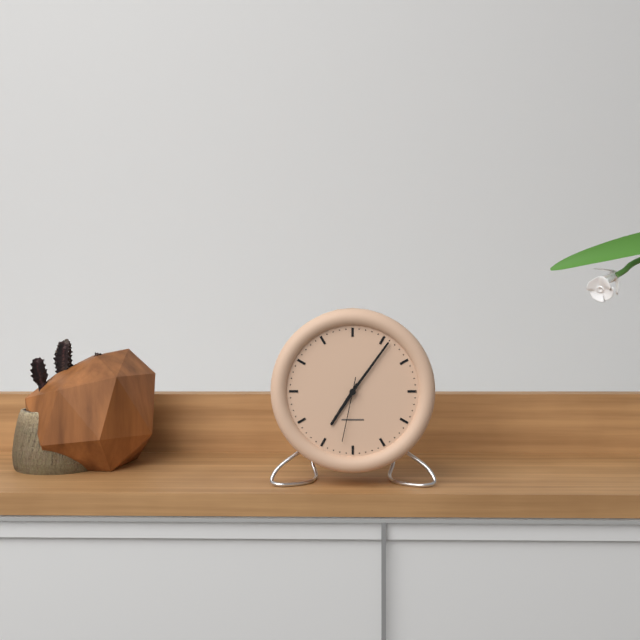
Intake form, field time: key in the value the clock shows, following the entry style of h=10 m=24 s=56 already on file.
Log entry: h=7 m=6 s=32
